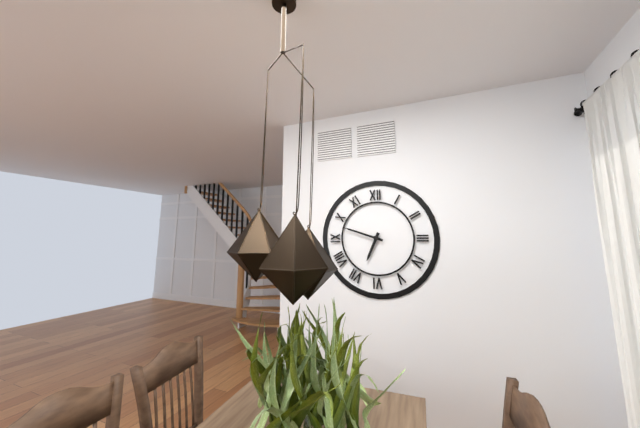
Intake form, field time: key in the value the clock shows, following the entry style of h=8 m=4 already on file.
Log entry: h=6 m=48
